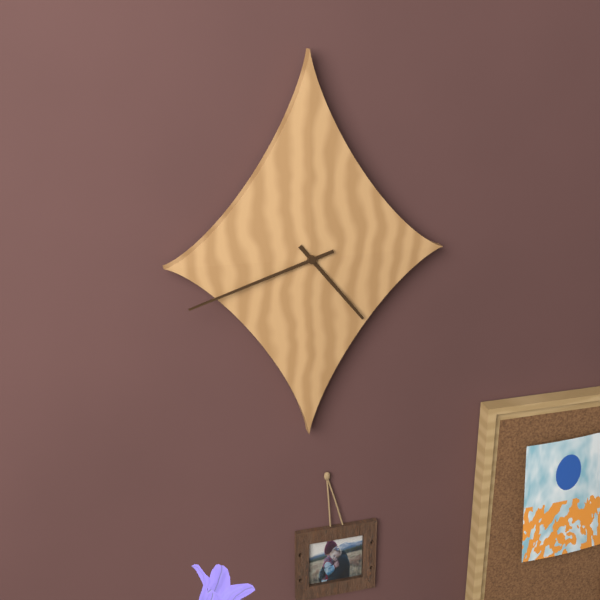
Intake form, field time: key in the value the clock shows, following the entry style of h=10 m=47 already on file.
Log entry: h=4 m=42
